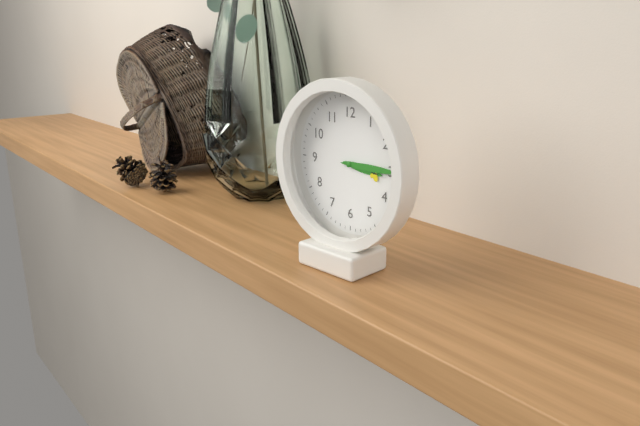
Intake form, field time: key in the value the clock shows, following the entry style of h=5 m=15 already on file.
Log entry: h=3 m=15
